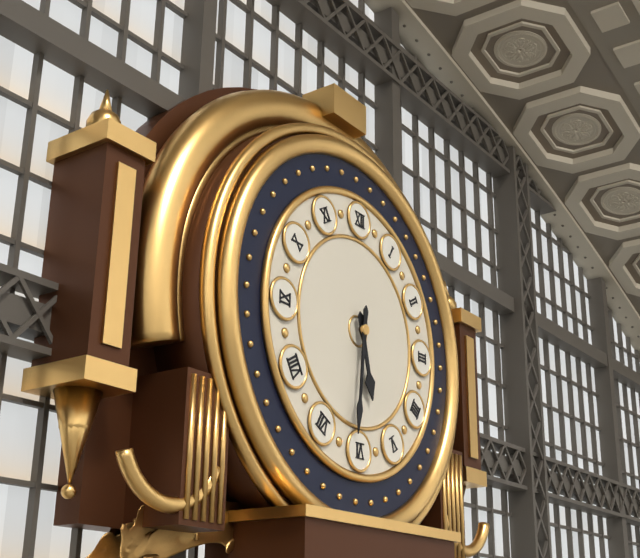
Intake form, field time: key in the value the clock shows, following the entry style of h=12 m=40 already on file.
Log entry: h=5 m=31
